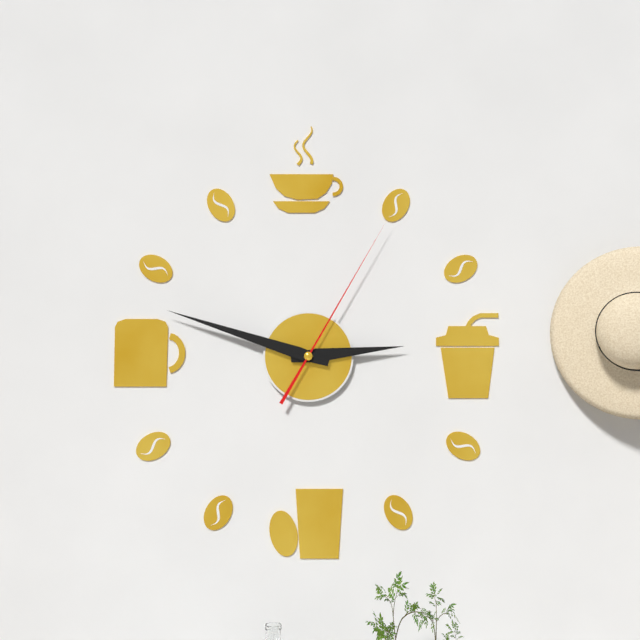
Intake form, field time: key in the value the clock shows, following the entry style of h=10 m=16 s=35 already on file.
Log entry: h=2 m=48 s=5
